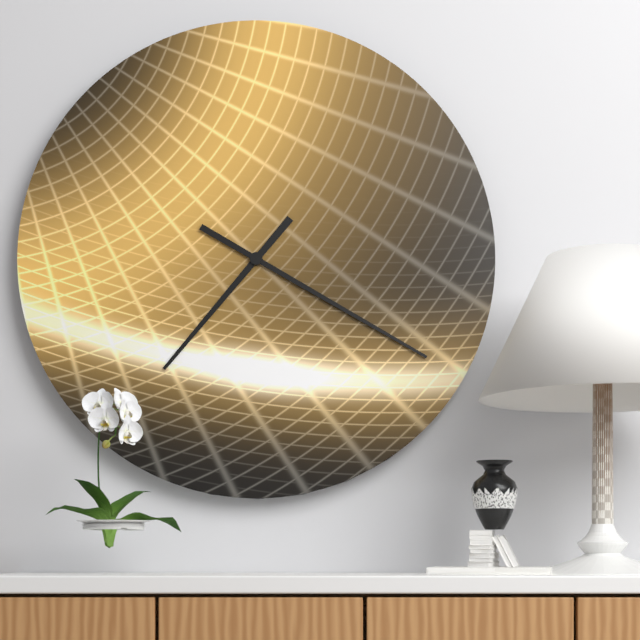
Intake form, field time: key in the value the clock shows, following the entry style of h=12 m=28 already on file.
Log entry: h=7 m=20
